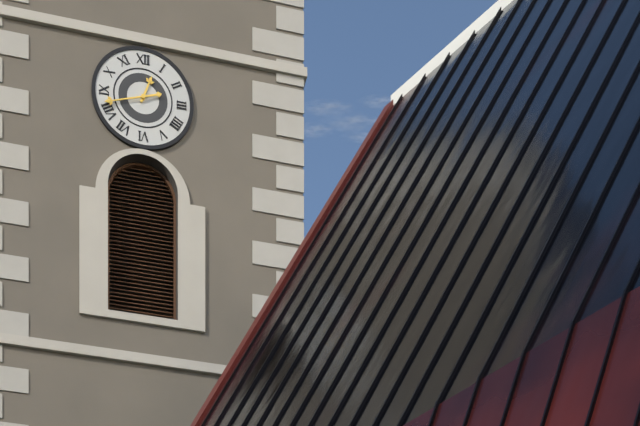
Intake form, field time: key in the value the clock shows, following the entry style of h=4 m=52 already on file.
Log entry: h=12 m=42
